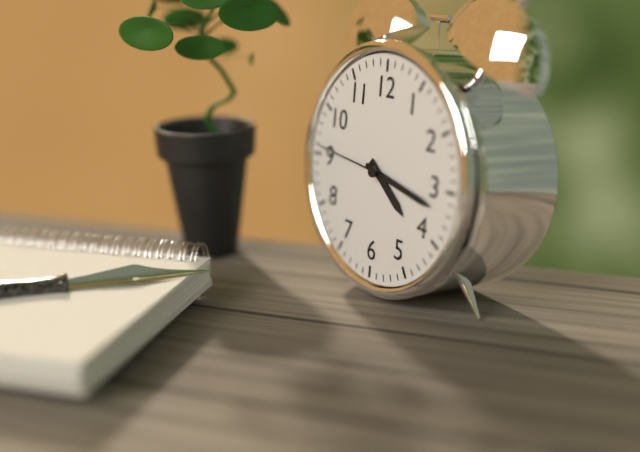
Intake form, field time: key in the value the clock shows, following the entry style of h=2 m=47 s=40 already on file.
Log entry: h=4 m=17 s=46
